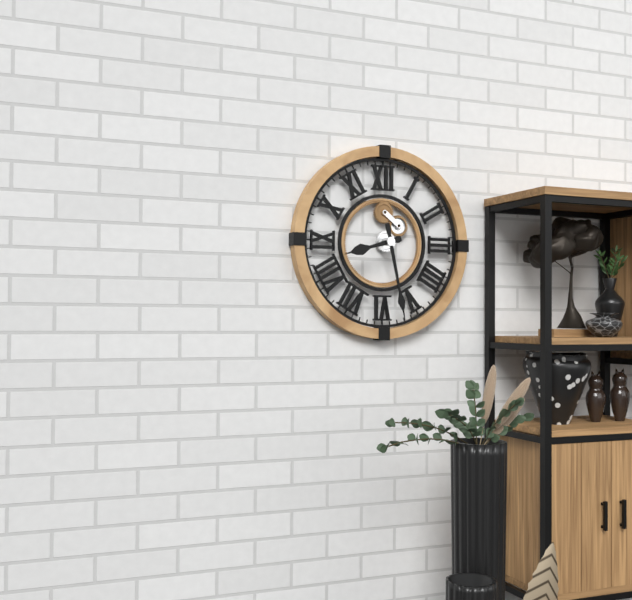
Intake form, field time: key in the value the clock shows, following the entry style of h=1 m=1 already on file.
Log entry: h=8 m=28
